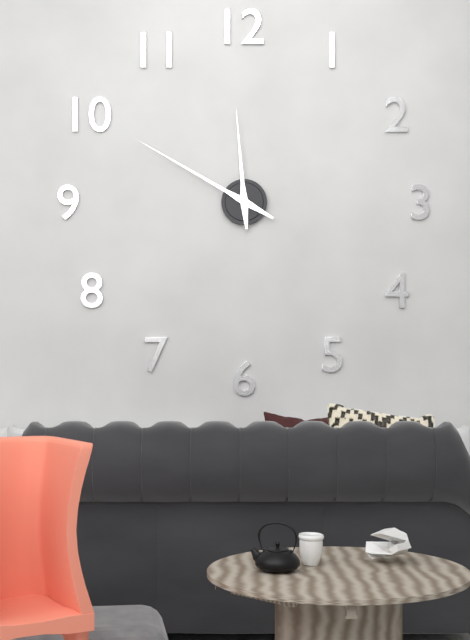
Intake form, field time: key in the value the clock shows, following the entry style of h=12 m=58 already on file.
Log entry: h=11 m=50
